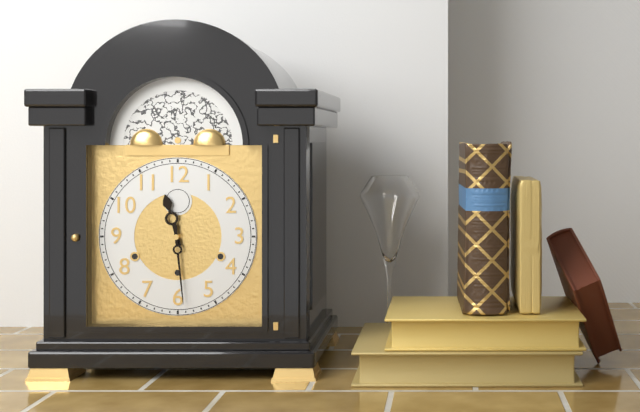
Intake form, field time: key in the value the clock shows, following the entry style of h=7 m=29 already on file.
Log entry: h=11 m=29
